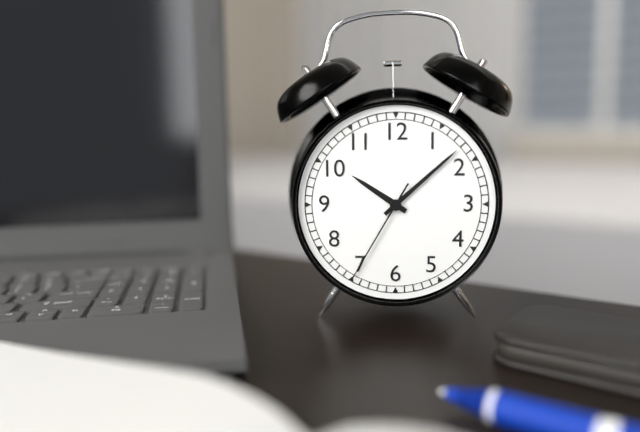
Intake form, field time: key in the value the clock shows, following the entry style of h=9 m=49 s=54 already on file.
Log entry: h=10 m=8 s=35
